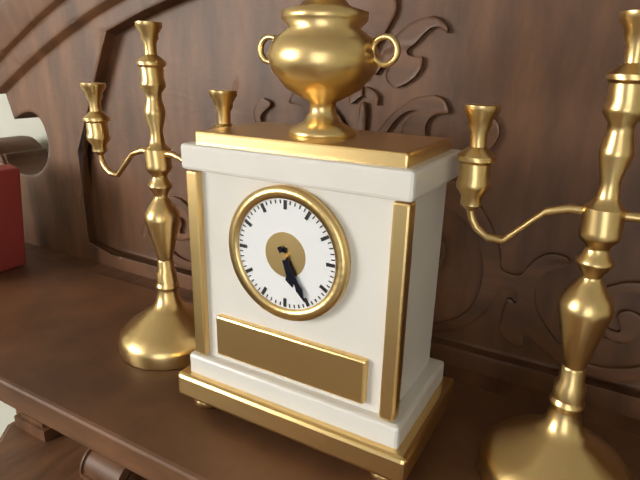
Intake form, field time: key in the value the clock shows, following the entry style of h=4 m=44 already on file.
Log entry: h=5 m=25
